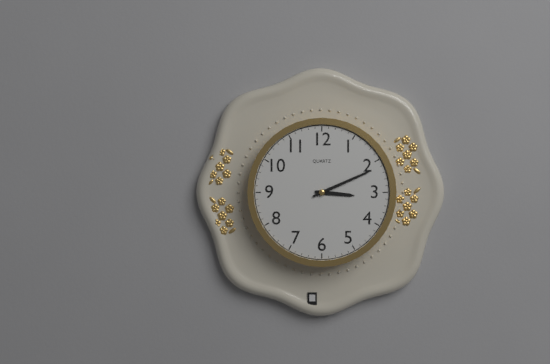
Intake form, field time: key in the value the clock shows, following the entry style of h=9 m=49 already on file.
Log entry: h=3 m=11
